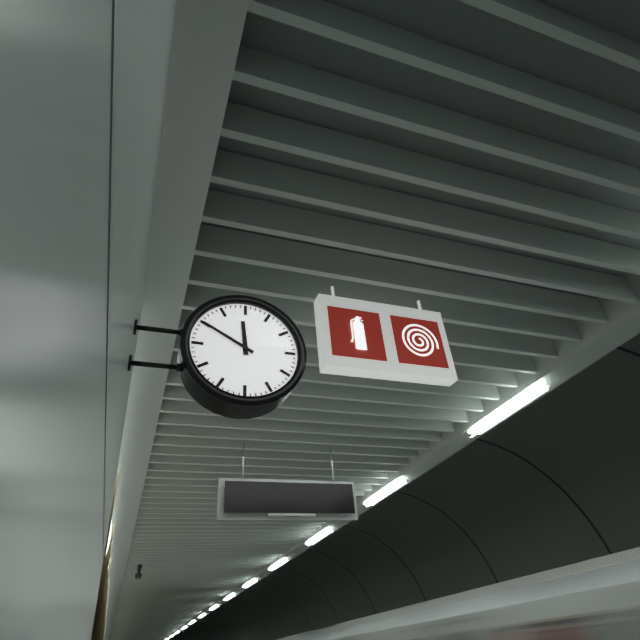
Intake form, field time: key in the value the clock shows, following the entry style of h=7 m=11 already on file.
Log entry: h=11 m=50
